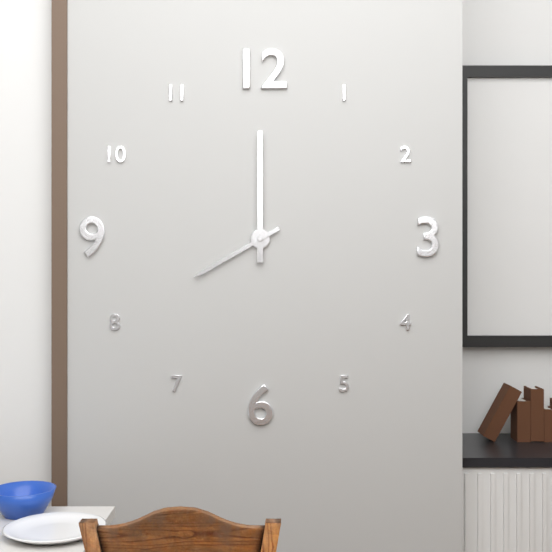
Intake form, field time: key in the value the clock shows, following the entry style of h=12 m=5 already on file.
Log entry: h=8 m=0
